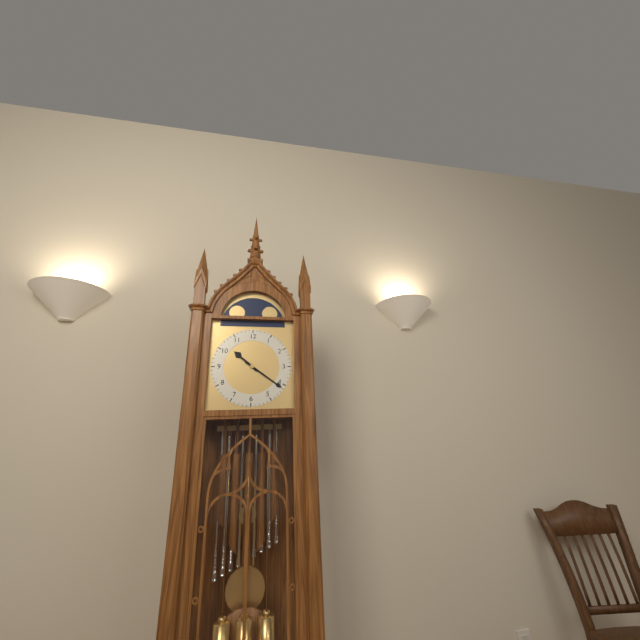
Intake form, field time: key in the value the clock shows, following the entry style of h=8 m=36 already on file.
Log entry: h=10 m=21
